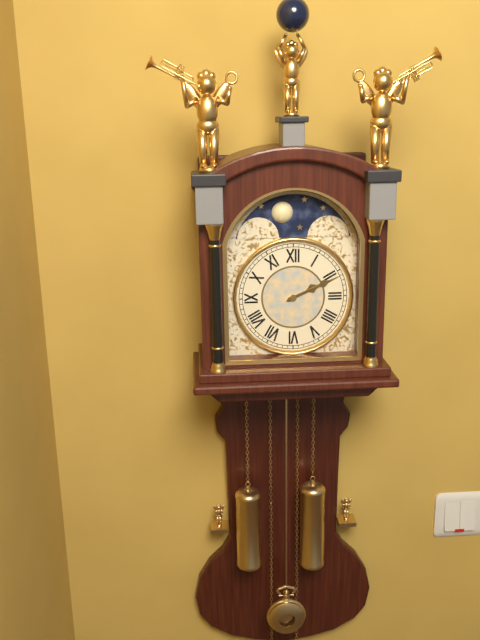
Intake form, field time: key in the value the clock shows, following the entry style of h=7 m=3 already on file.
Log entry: h=2 m=11
